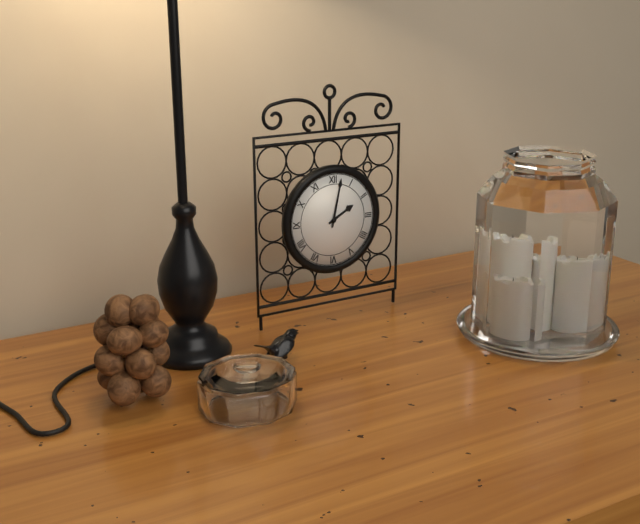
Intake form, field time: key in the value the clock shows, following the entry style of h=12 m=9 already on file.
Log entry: h=2 m=2
